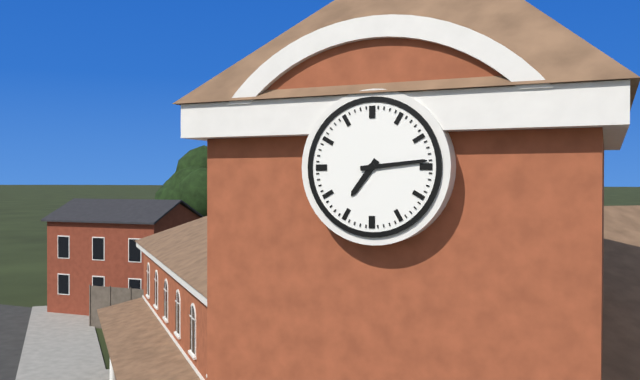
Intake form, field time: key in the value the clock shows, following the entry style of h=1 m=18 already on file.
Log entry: h=7 m=14
